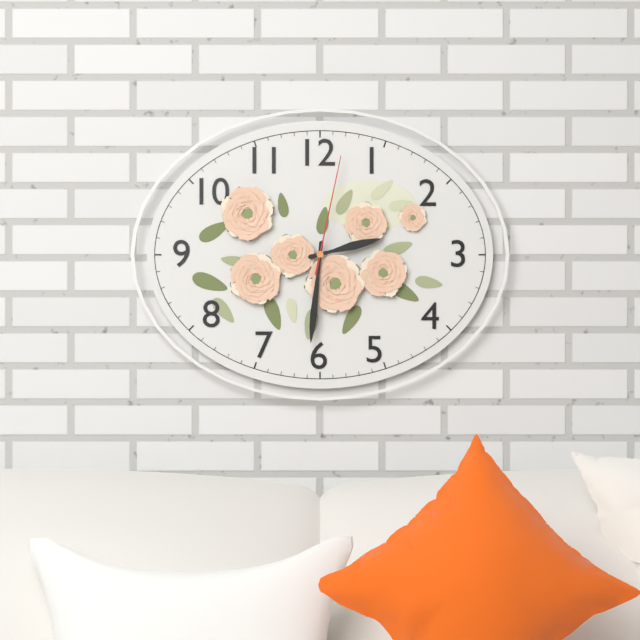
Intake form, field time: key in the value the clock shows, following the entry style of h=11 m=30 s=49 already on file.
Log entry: h=2 m=31 s=2
